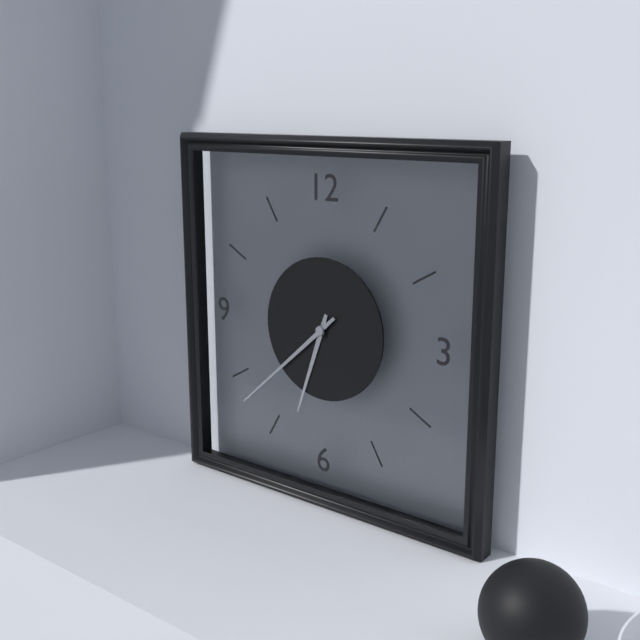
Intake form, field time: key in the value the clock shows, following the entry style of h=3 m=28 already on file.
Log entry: h=6 m=38
